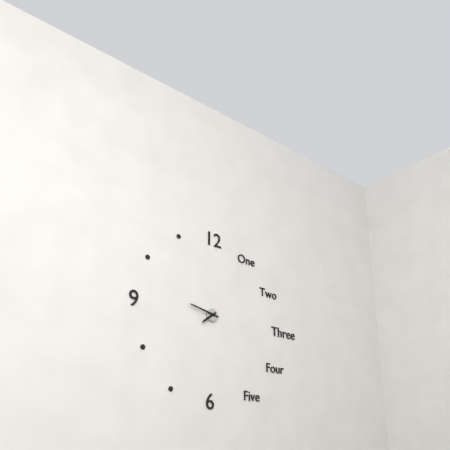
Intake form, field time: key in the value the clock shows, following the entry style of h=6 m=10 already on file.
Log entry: h=7 m=47
